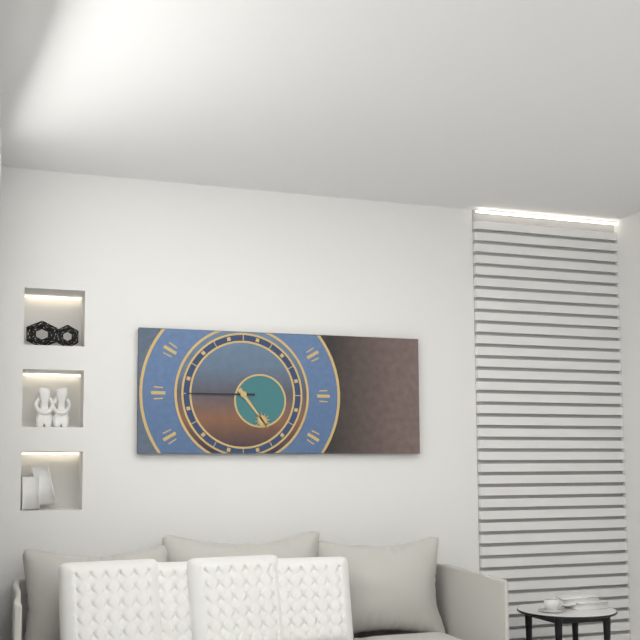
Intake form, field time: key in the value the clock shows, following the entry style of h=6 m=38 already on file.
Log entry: h=4 m=45
